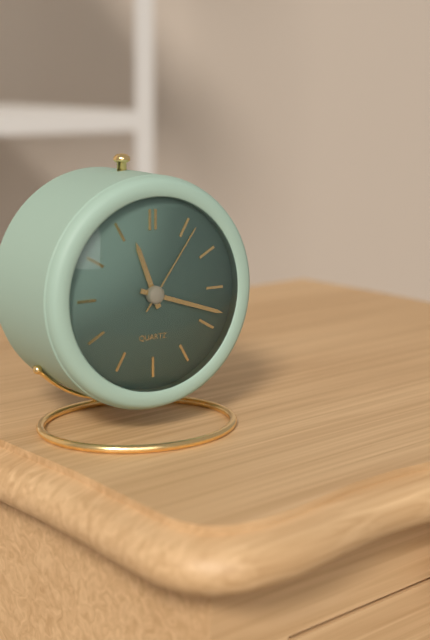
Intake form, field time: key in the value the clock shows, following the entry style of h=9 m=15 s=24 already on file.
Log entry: h=11 m=18 s=6
